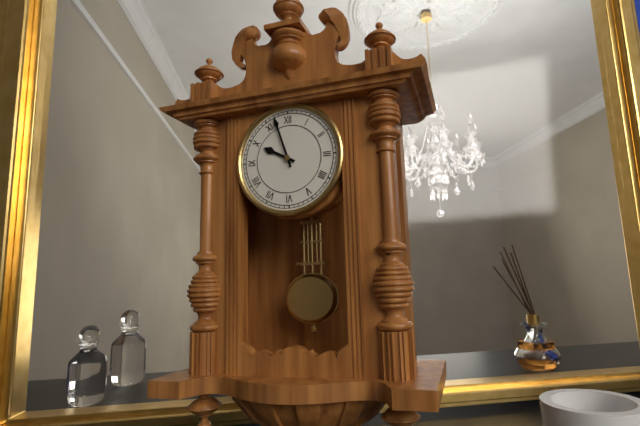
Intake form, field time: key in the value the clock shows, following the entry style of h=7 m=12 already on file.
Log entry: h=9 m=57
